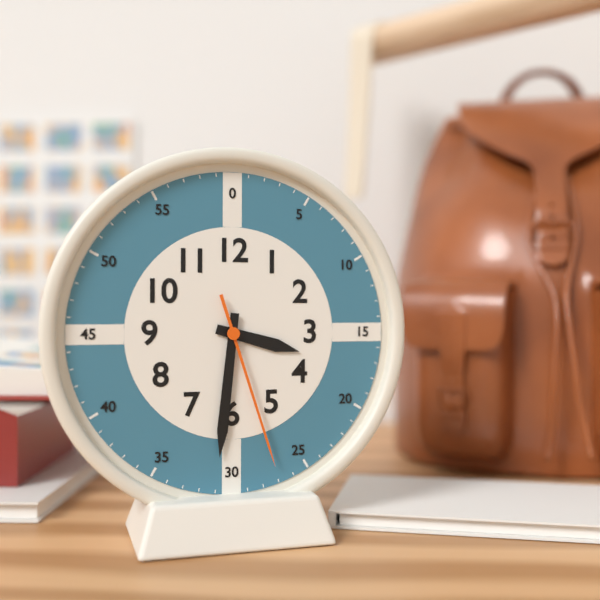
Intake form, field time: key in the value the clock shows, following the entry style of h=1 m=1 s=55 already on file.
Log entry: h=3 m=31 s=27
